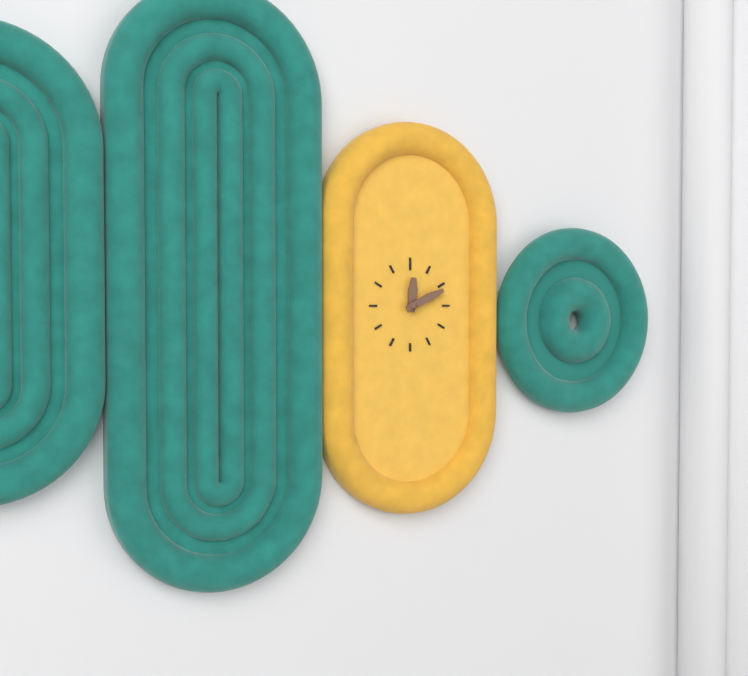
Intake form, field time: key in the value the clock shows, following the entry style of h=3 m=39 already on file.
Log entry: h=12 m=11
